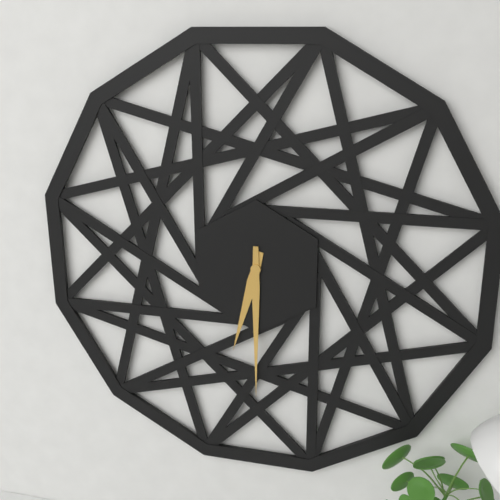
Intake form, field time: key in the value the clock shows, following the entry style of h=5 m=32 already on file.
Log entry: h=6 m=30
